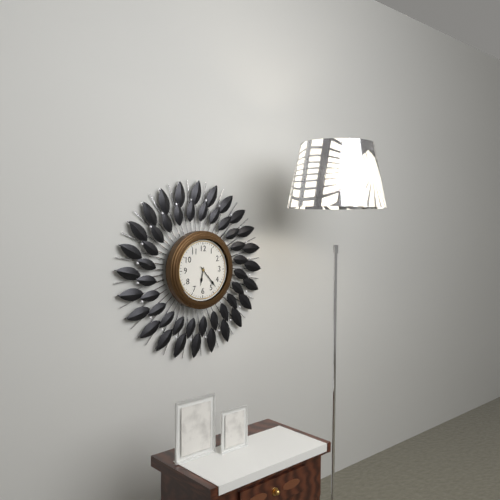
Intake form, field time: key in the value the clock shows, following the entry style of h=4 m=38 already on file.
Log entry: h=6 m=23
